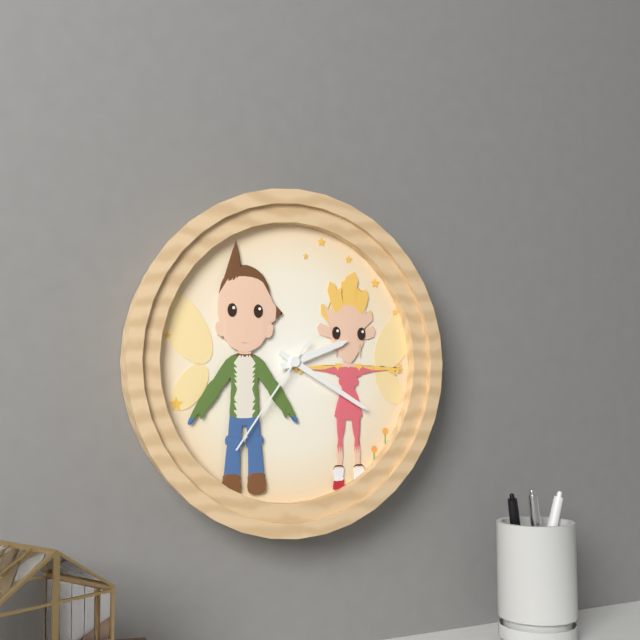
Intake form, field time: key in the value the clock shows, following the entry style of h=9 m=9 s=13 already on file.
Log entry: h=2 m=20 s=36
